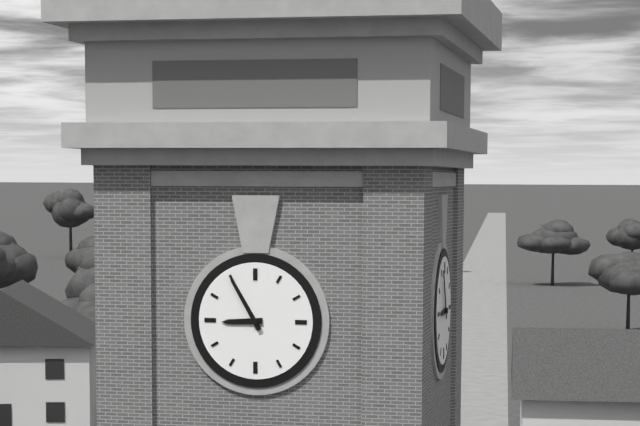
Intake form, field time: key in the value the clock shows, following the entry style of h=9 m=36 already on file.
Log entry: h=8 m=55
